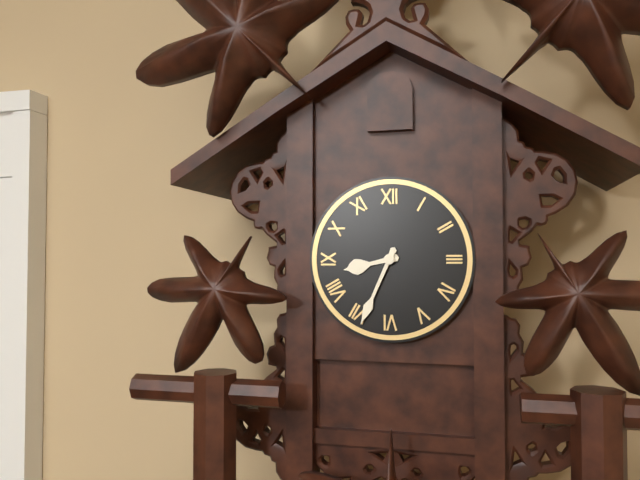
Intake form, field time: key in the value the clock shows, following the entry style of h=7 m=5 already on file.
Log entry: h=8 m=34
